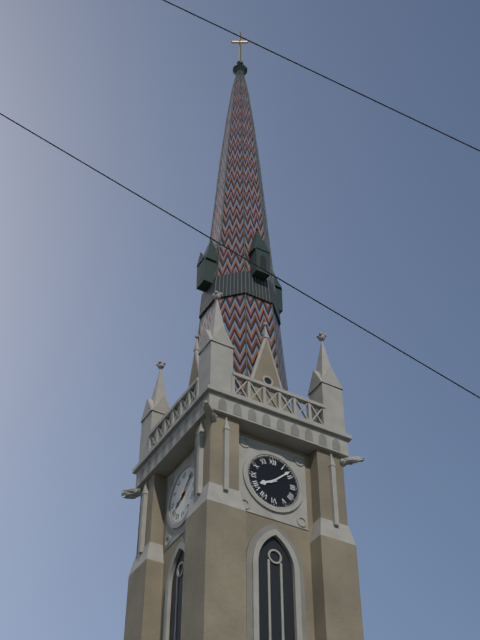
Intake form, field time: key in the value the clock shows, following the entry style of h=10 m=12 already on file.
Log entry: h=8 m=8
